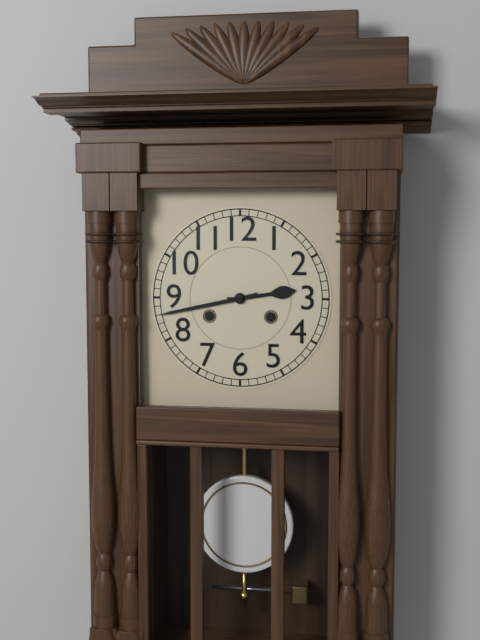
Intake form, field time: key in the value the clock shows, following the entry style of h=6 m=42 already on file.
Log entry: h=2 m=43
